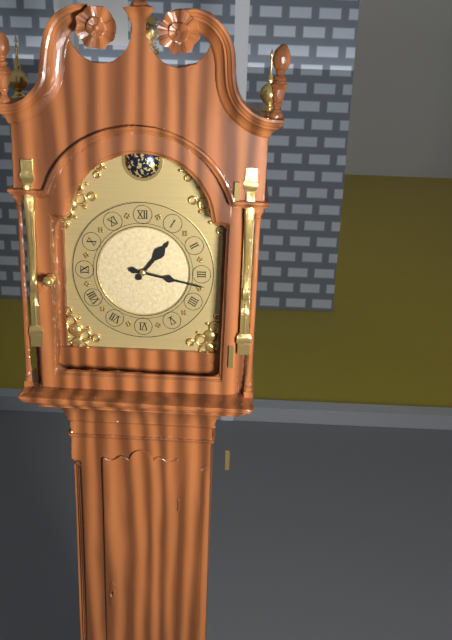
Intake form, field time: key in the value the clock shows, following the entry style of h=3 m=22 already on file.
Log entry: h=1 m=17
